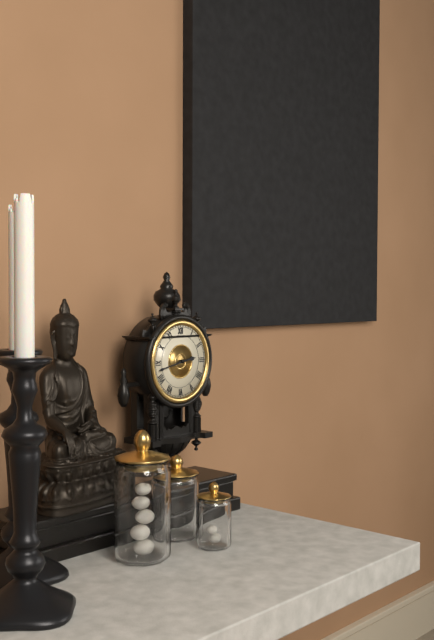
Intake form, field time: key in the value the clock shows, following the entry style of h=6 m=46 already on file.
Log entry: h=2 m=43
